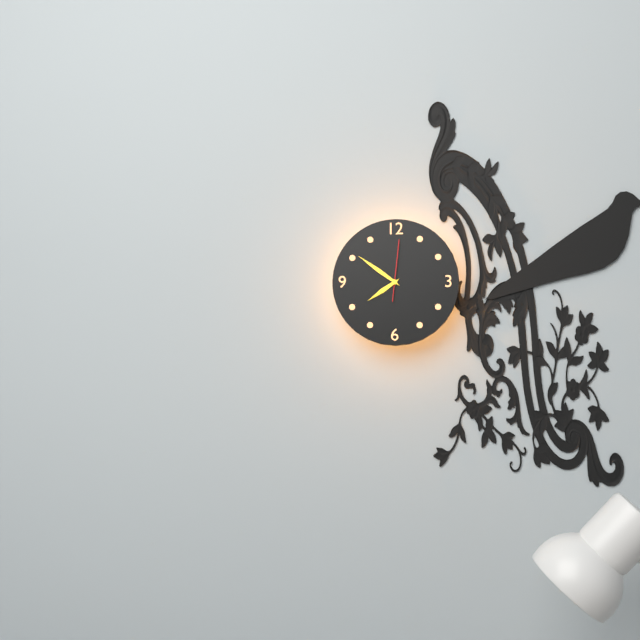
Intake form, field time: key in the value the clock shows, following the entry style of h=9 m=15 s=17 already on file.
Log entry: h=7 m=51 s=1
